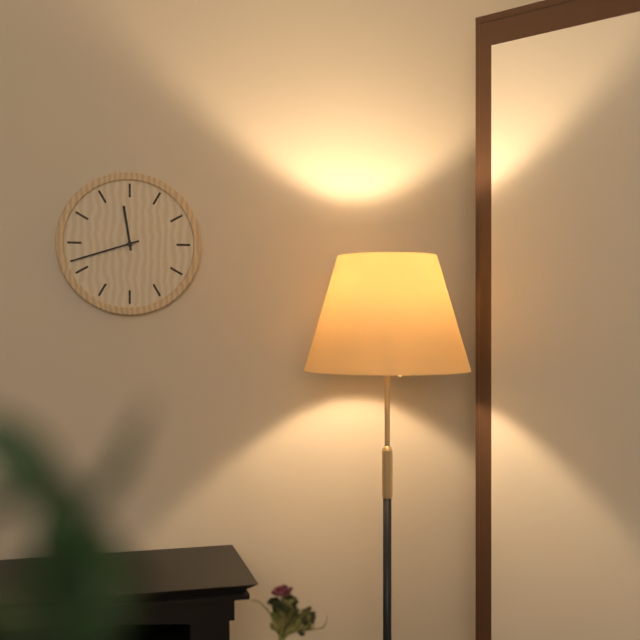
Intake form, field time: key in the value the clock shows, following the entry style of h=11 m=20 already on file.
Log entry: h=11 m=42
